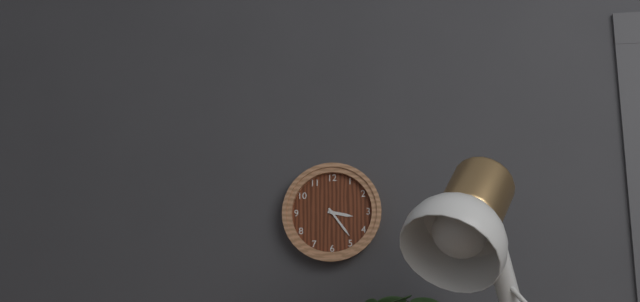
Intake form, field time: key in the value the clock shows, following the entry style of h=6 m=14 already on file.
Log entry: h=3 m=24
